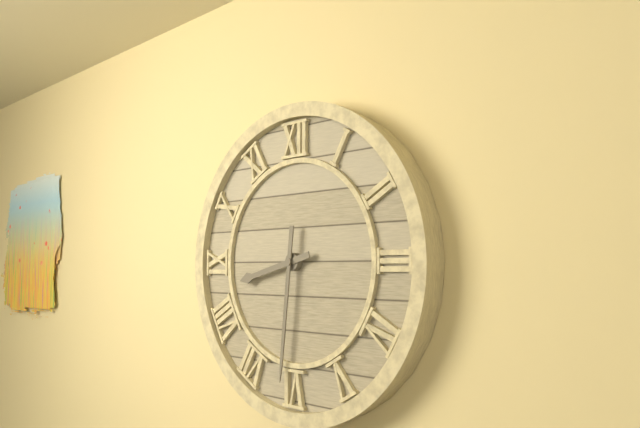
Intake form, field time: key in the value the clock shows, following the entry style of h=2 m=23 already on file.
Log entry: h=8 m=31
